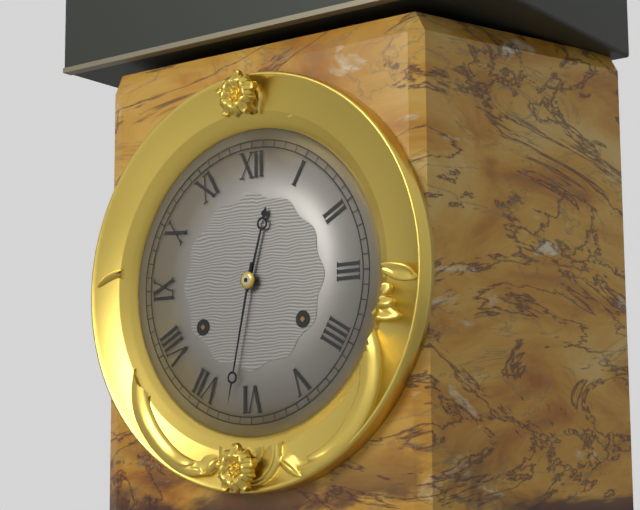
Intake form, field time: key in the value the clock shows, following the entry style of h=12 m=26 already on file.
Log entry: h=12 m=32
